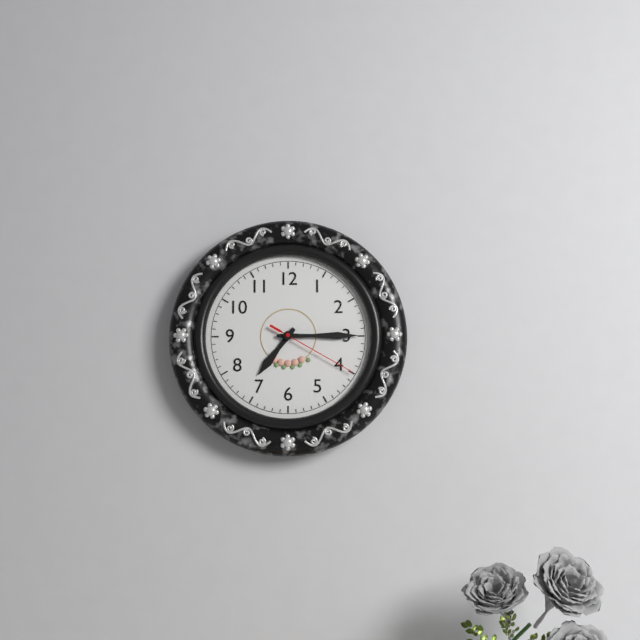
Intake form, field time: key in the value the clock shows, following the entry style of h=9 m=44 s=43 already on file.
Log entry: h=7 m=15 s=20
